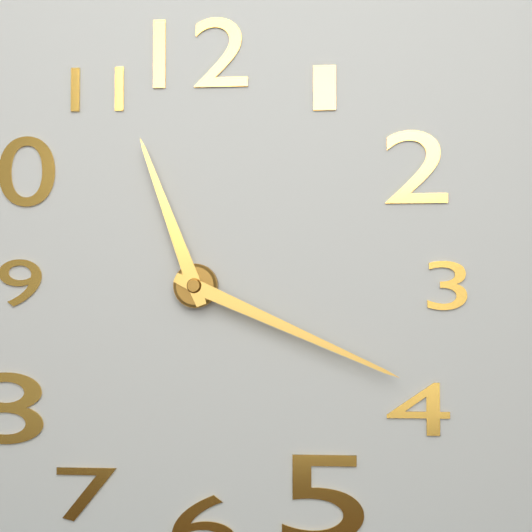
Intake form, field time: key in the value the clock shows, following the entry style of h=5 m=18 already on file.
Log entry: h=11 m=19
